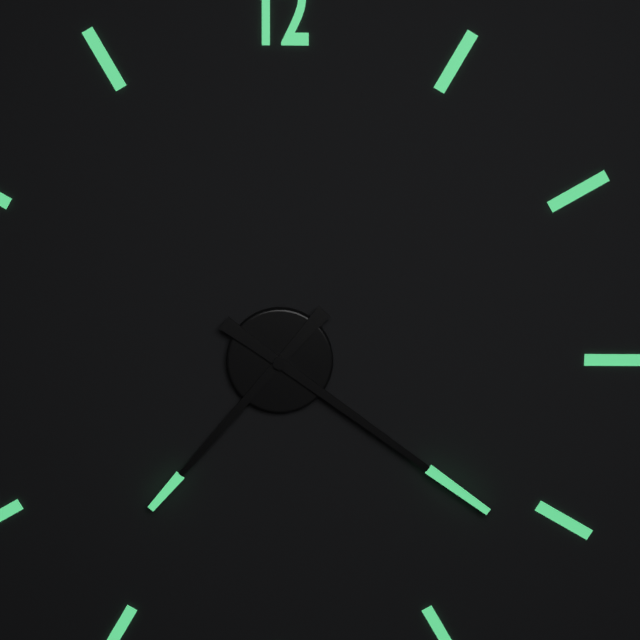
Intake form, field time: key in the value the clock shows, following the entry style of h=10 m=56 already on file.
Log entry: h=7 m=21
